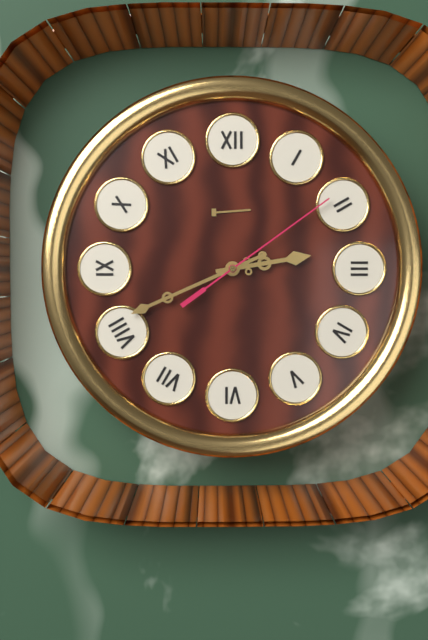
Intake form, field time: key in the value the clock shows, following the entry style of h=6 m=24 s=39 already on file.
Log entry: h=2 m=41 s=9
